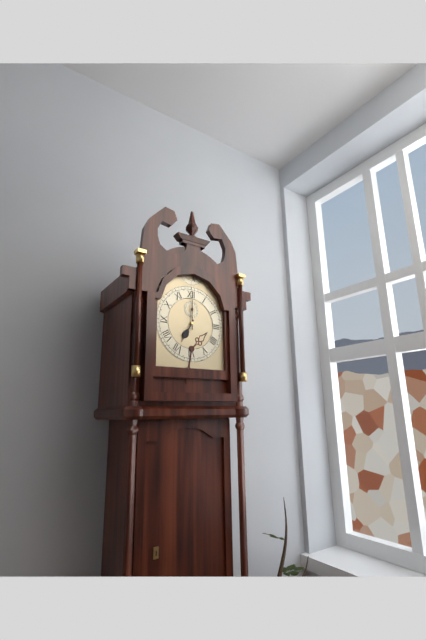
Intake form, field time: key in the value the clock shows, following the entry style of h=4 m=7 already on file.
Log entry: h=7 m=0
